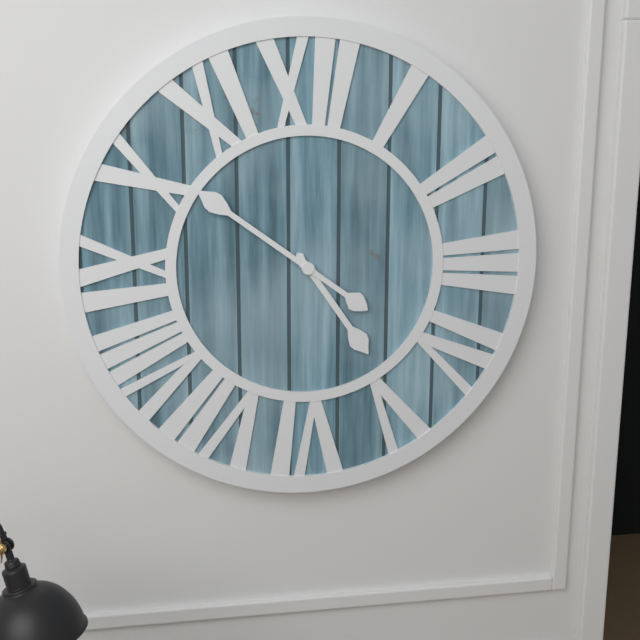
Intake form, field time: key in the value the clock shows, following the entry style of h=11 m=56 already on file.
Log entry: h=4 m=51
